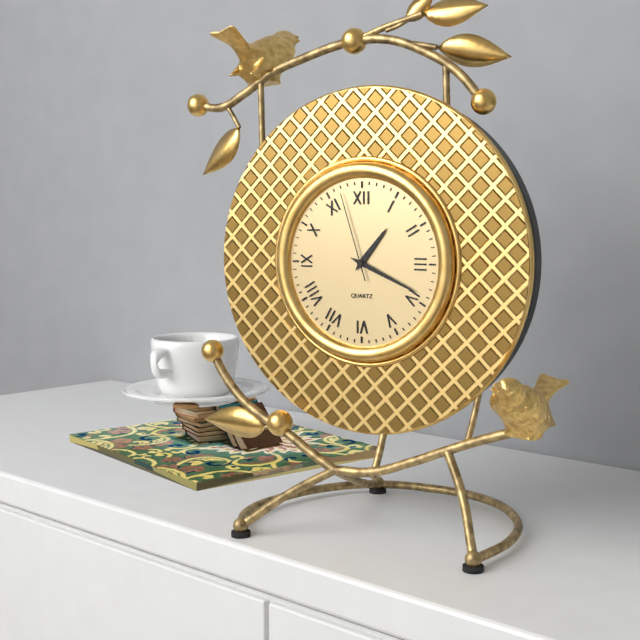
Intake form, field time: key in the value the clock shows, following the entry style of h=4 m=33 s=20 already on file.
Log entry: h=1 m=19 s=57
